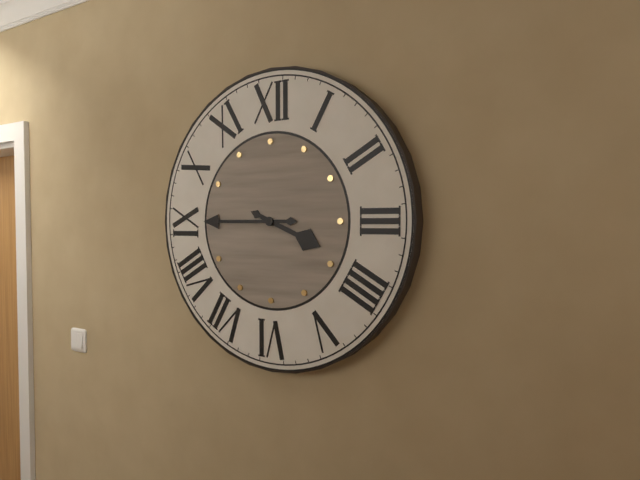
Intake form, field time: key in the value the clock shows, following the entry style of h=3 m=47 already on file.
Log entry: h=3 m=45
